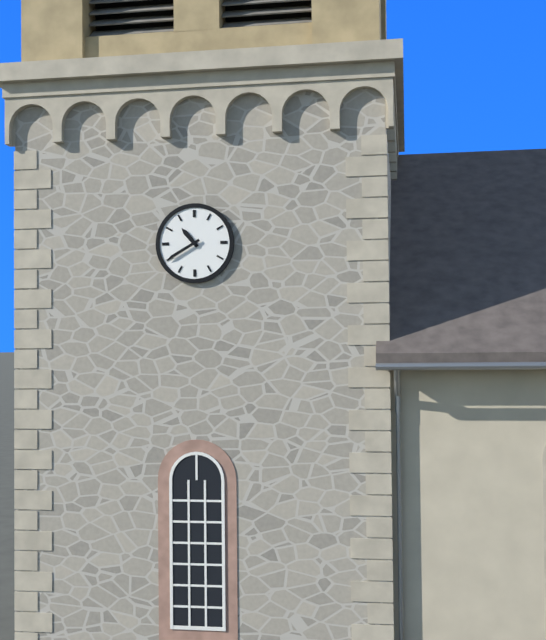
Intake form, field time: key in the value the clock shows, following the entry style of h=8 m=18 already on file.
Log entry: h=10 m=40
